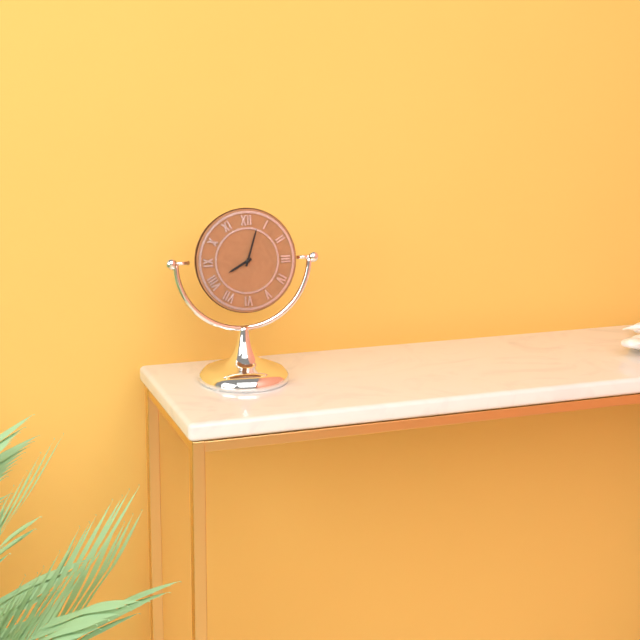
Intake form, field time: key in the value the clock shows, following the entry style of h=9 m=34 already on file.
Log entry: h=8 m=3
